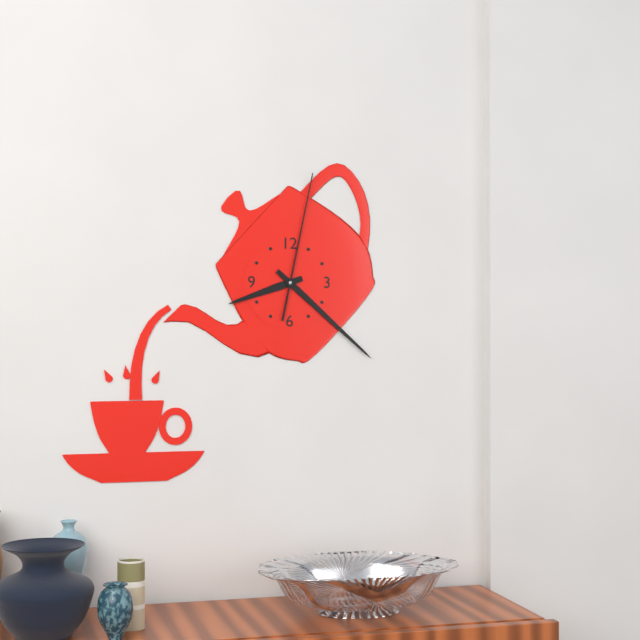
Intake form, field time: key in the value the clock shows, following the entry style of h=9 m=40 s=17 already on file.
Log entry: h=8 m=22 s=2
